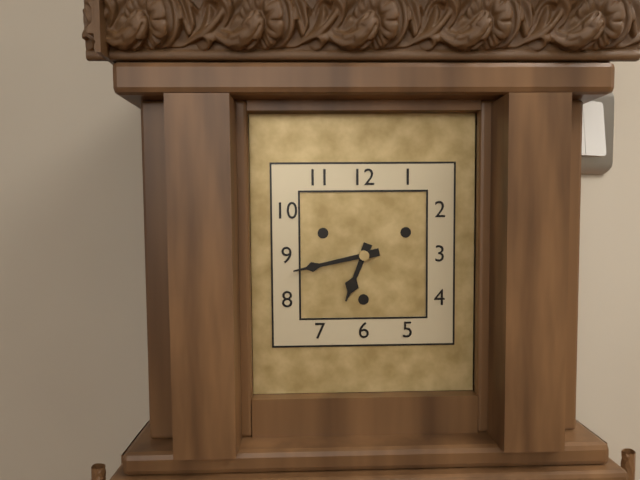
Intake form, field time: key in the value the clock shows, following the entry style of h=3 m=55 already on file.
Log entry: h=6 m=43
